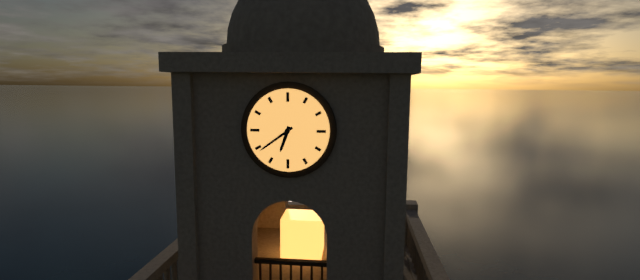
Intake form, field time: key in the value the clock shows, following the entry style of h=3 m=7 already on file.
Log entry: h=6 m=39
